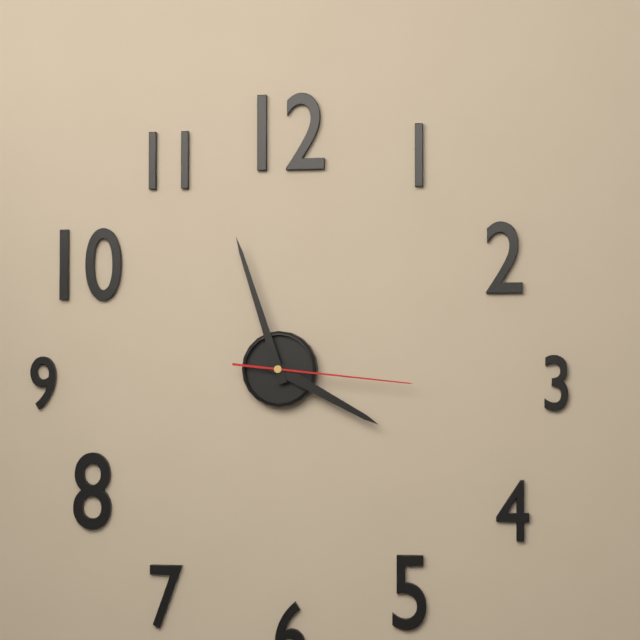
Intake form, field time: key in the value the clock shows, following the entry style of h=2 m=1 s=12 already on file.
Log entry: h=3 m=57 s=16
